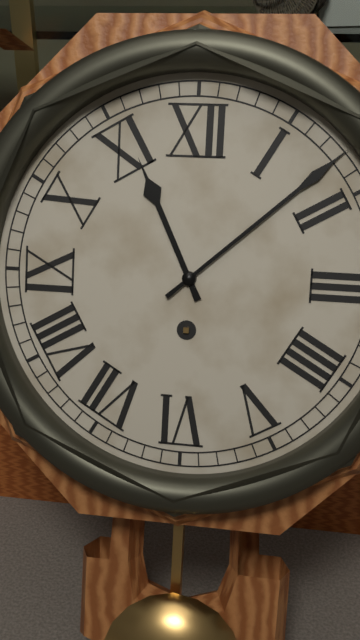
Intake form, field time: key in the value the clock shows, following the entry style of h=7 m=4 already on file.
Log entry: h=11 m=8
